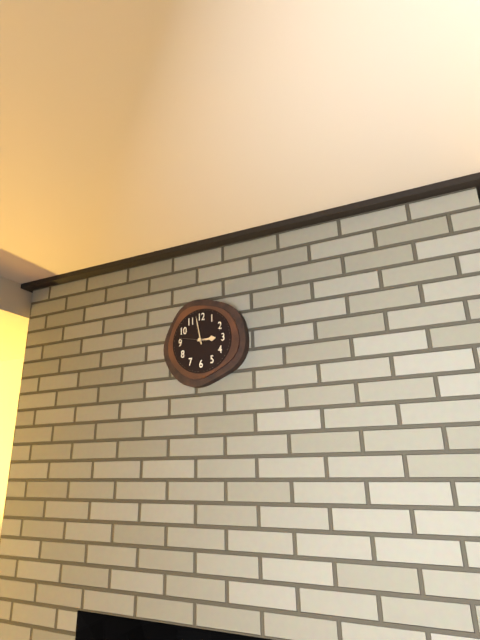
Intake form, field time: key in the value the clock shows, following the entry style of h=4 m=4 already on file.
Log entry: h=2 m=58
